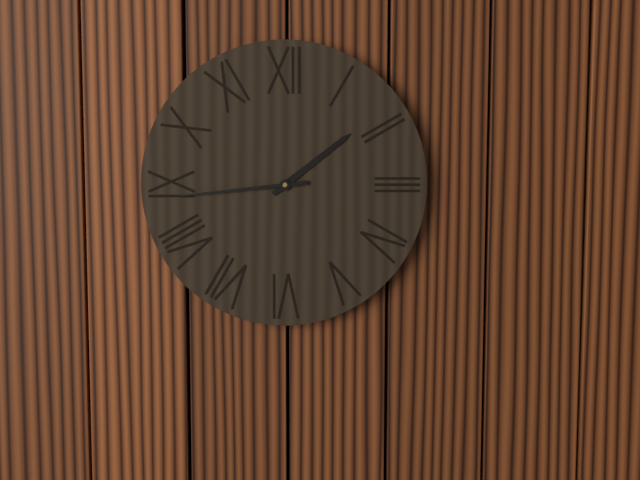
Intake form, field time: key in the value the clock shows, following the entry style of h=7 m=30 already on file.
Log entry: h=1 m=44
